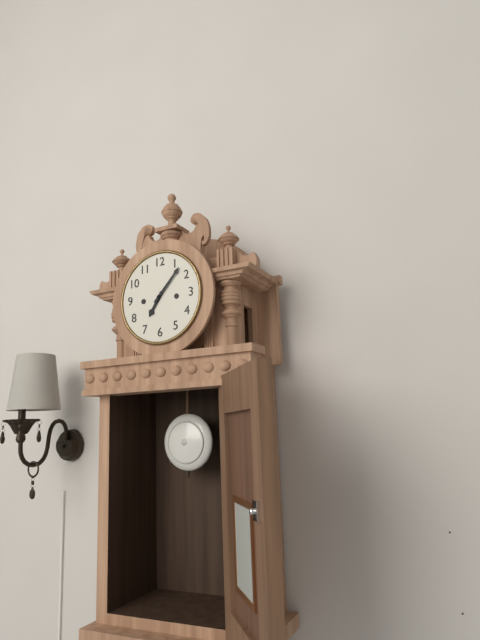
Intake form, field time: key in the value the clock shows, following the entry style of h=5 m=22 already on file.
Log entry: h=7 m=7
